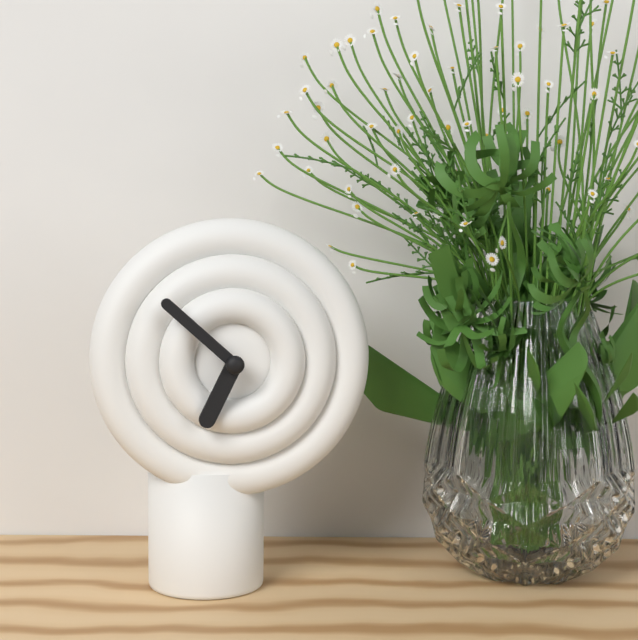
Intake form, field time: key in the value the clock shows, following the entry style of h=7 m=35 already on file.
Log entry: h=6 m=52
